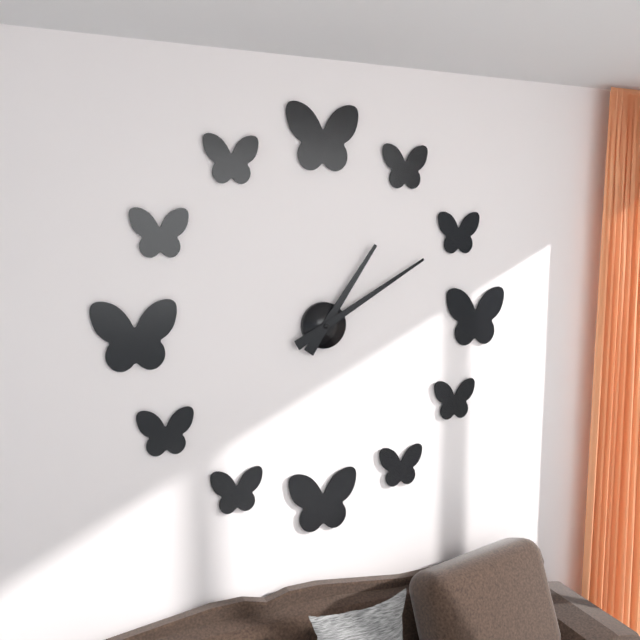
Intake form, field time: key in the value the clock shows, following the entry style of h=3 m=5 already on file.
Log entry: h=1 m=10
